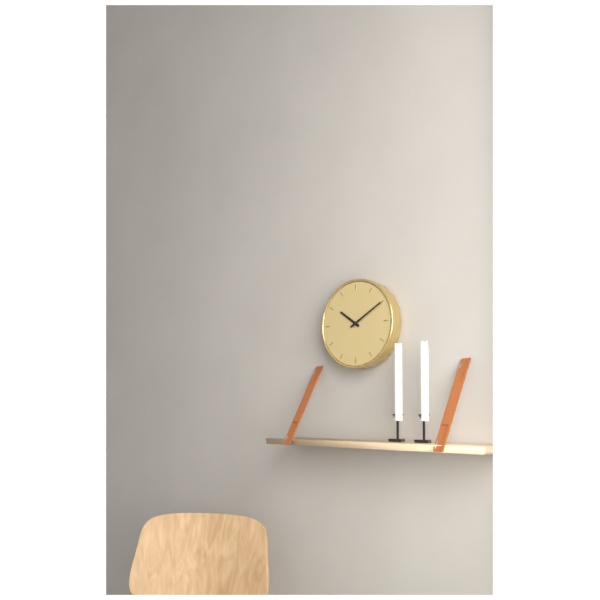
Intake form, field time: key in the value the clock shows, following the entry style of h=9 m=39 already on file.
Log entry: h=10 m=10
